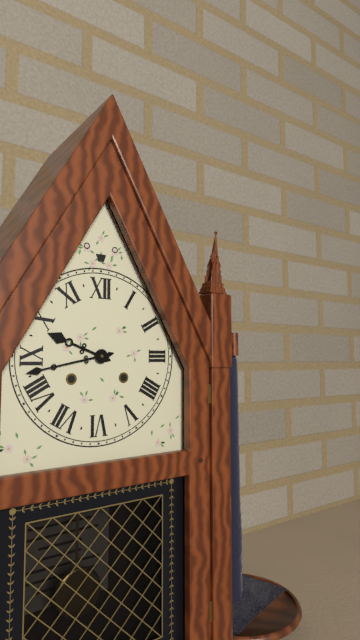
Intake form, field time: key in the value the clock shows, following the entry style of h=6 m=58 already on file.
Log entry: h=9 m=43
